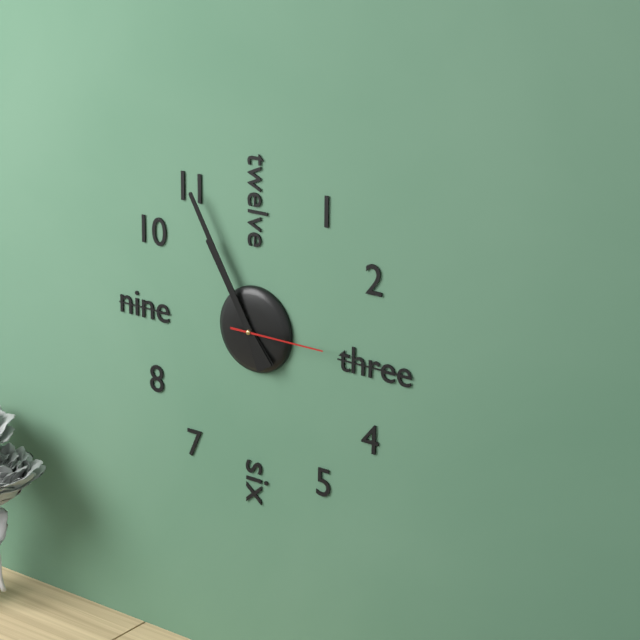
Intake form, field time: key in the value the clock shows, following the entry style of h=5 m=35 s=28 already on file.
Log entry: h=10 m=55 s=15
